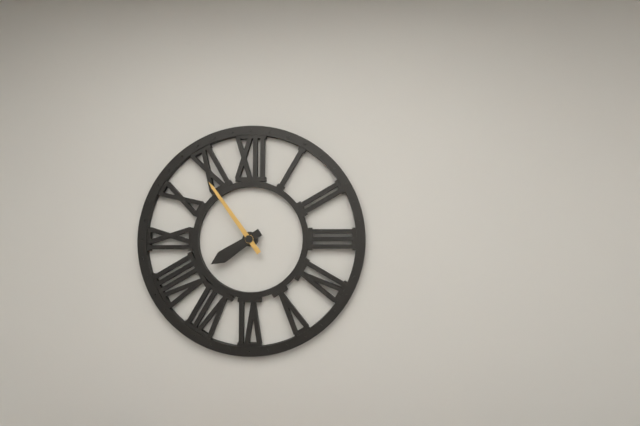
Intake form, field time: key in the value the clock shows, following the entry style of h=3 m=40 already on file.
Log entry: h=7 m=54
